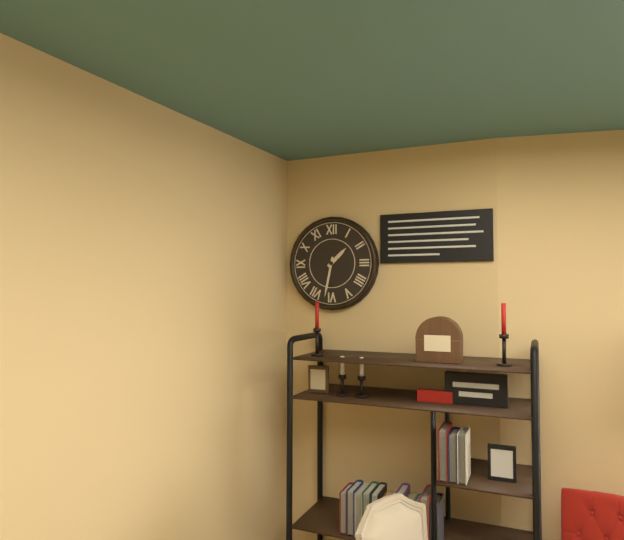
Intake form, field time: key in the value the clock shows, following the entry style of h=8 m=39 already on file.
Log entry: h=1 m=32
